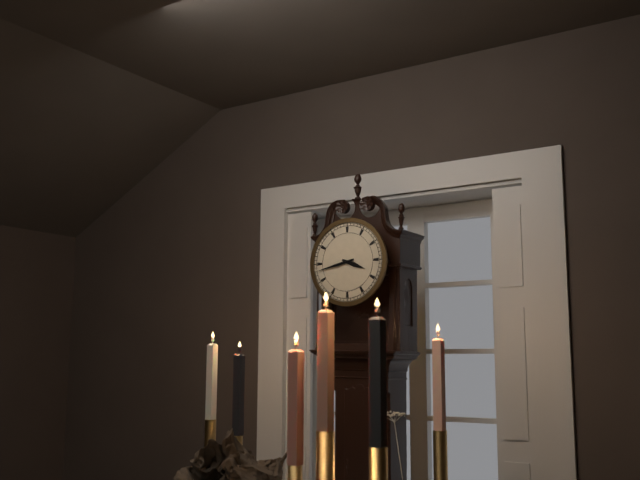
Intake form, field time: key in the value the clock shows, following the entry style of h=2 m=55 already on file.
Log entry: h=3 m=43
